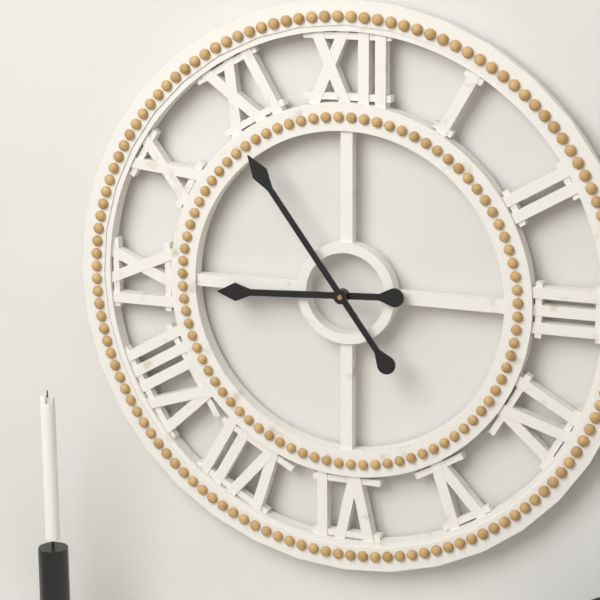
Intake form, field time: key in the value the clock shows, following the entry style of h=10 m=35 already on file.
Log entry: h=8 m=54
